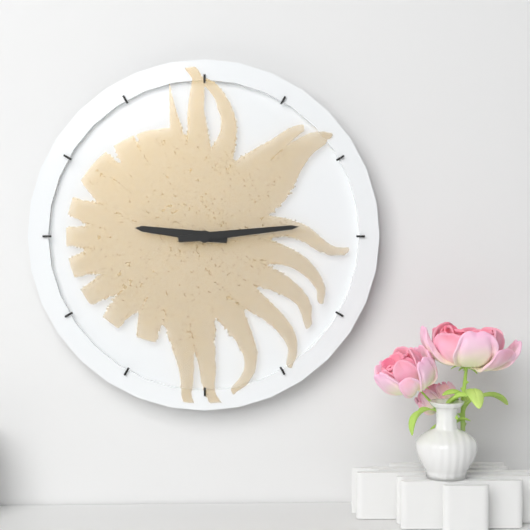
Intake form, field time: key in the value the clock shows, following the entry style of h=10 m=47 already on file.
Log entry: h=9 m=14
